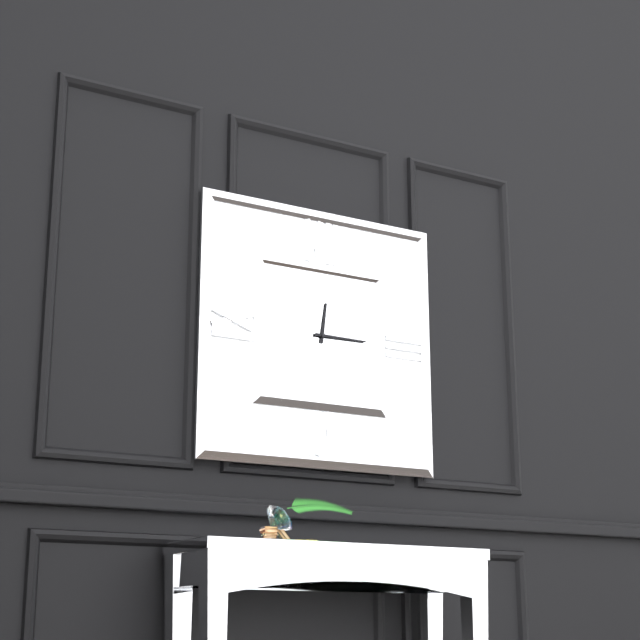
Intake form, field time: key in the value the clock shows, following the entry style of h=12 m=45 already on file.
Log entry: h=12 m=15
